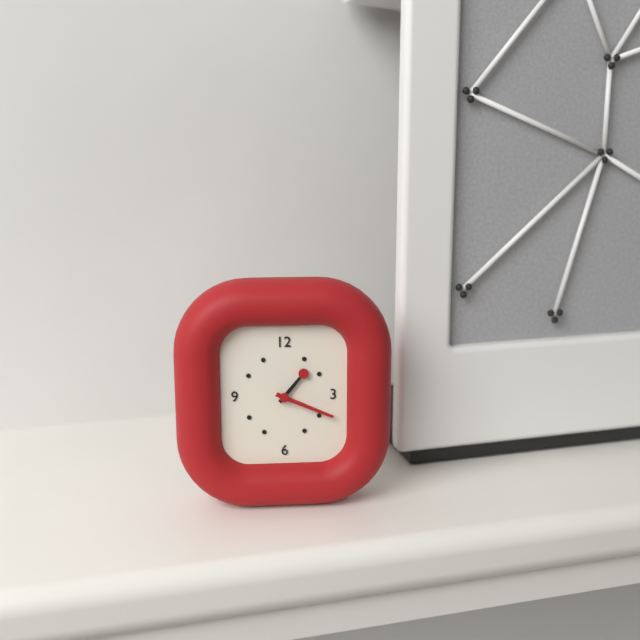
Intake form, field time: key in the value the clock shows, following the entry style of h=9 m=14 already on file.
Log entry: h=1 m=19
